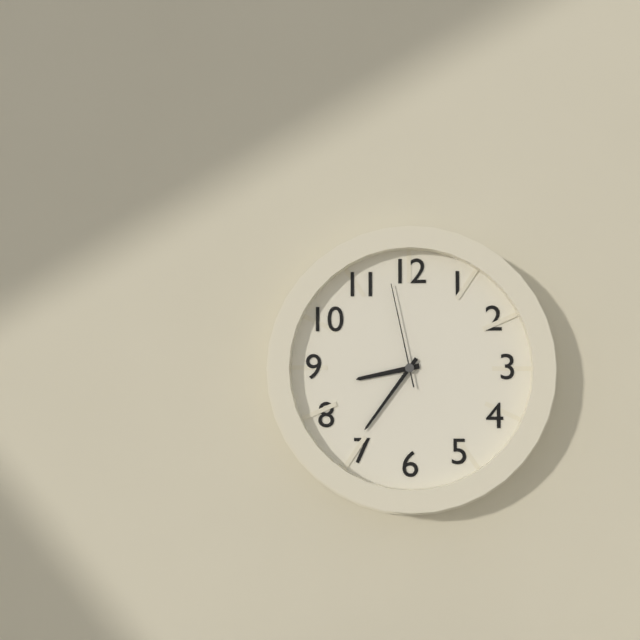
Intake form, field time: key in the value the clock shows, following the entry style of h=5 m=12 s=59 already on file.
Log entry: h=8 m=36 s=58
